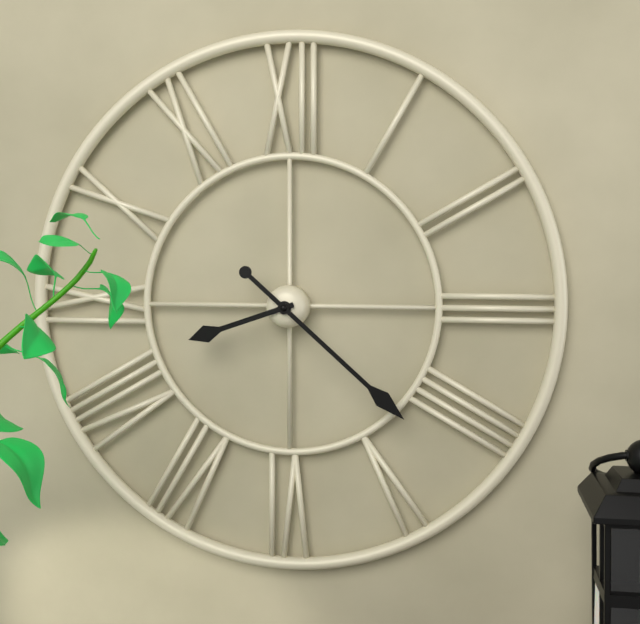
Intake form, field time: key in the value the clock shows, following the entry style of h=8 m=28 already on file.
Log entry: h=8 m=22
